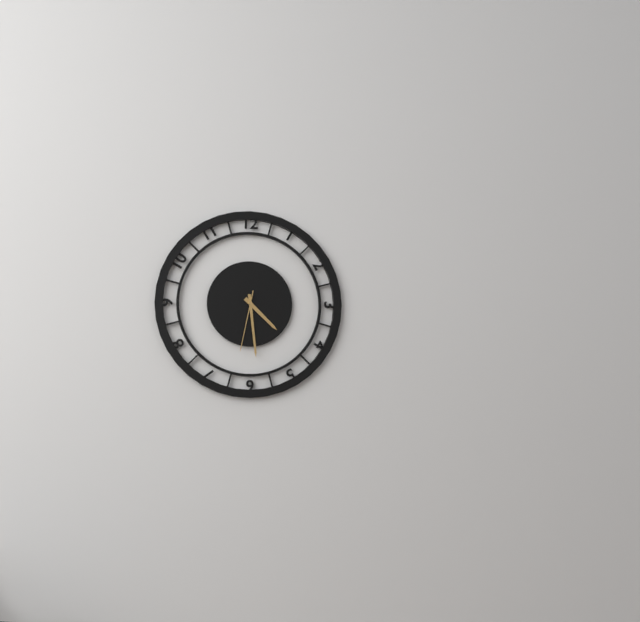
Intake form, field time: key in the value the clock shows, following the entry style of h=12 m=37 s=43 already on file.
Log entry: h=4 m=29 s=32
